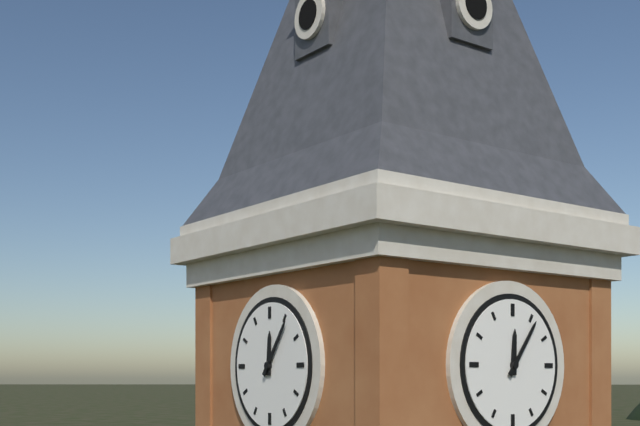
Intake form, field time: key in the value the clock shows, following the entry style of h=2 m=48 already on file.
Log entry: h=12 m=6
